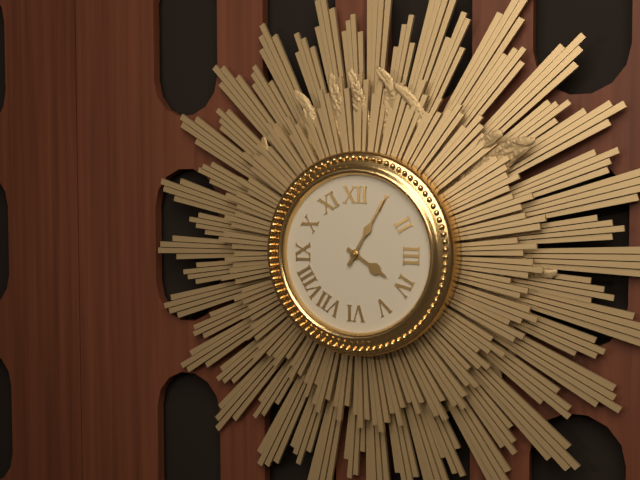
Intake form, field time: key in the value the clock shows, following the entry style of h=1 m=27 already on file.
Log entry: h=4 m=5
